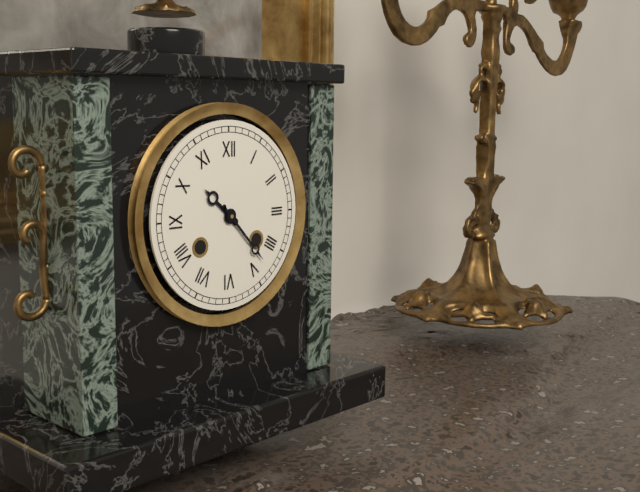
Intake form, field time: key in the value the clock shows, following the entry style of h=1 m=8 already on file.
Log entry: h=10 m=23
